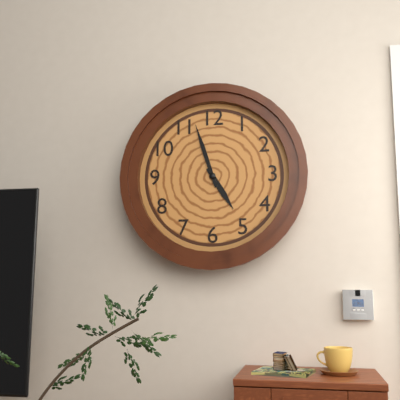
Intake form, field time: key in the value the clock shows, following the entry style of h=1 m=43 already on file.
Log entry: h=4 m=57
